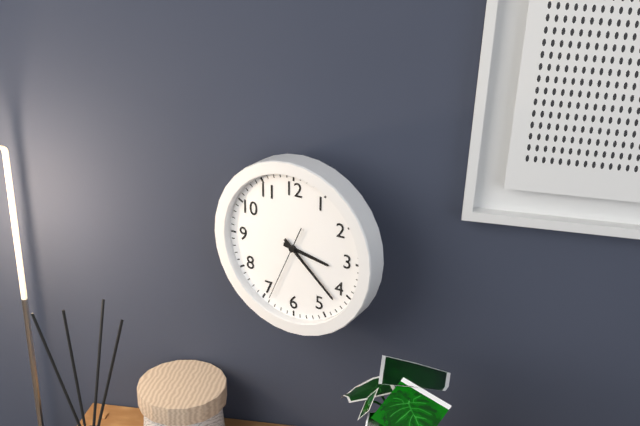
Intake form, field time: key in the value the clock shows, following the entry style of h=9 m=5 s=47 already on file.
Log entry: h=3 m=22 s=34
